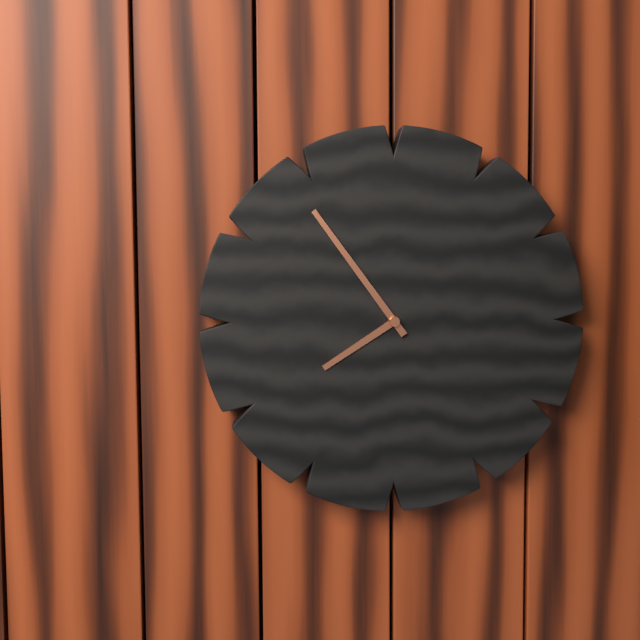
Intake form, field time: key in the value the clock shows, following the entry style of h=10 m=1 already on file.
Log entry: h=7 m=54
